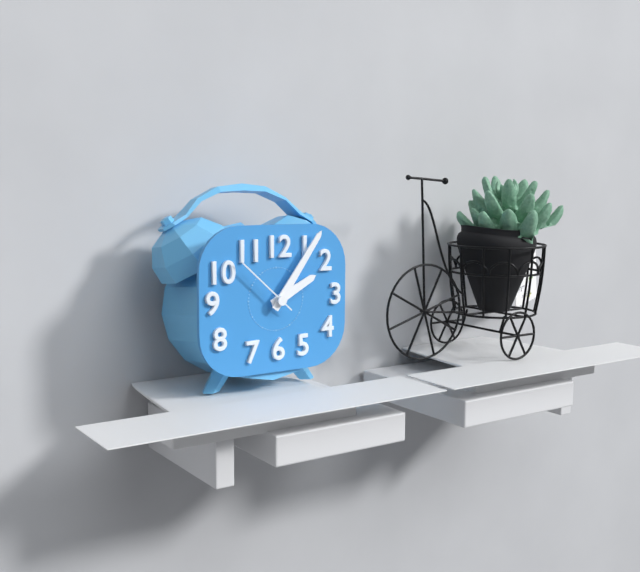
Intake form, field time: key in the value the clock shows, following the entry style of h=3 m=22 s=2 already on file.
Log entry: h=2 m=6 s=52
